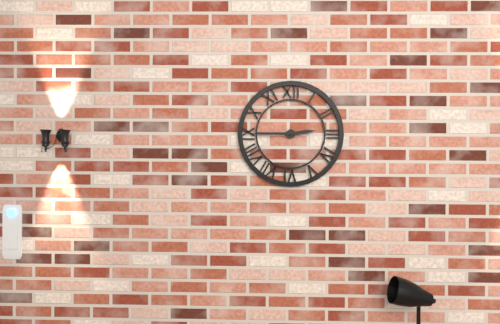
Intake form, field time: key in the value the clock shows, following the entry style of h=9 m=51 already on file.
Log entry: h=2 m=45
